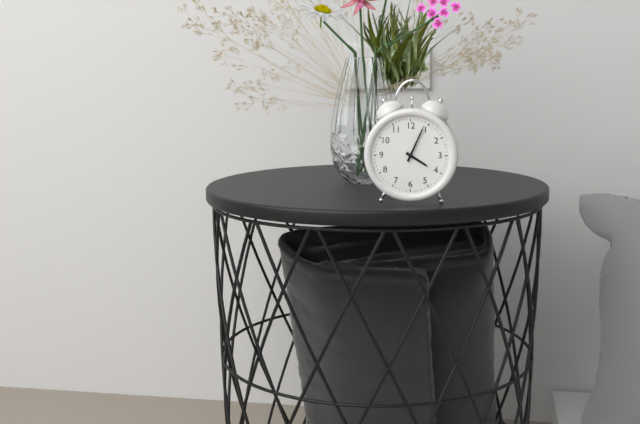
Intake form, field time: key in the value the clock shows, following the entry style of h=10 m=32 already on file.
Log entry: h=4 m=4
